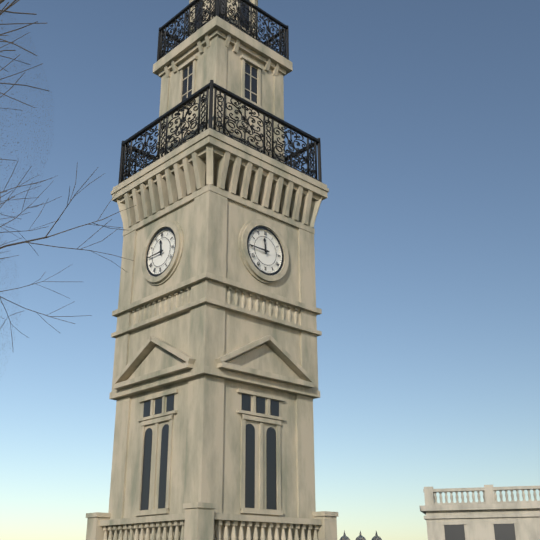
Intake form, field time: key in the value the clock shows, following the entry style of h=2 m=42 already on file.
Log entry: h=11 m=45
